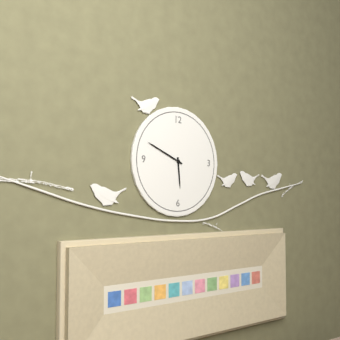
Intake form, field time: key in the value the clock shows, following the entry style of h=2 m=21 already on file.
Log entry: h=5 m=49
